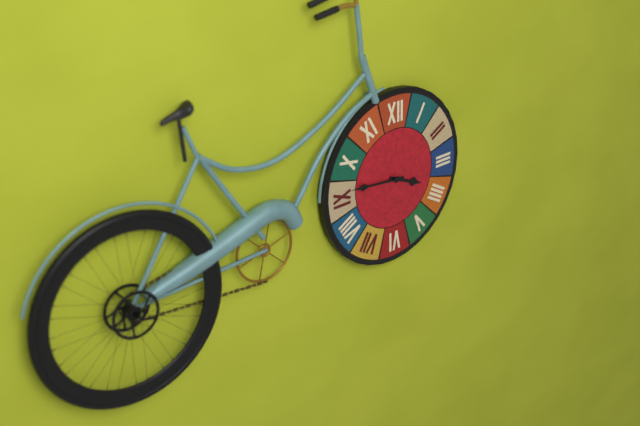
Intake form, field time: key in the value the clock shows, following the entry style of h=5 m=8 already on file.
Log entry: h=3 m=46
